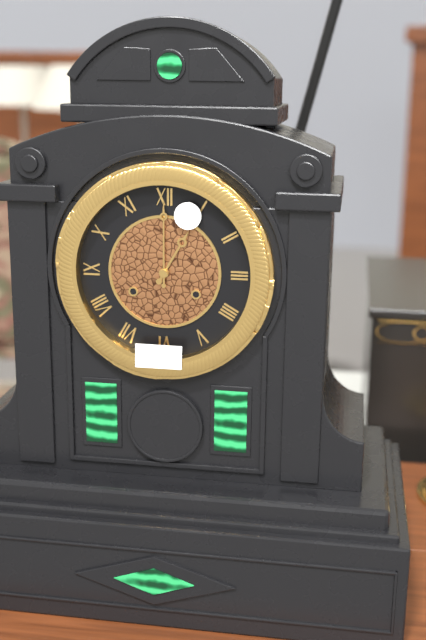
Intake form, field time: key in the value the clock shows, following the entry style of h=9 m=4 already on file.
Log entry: h=1 m=0
